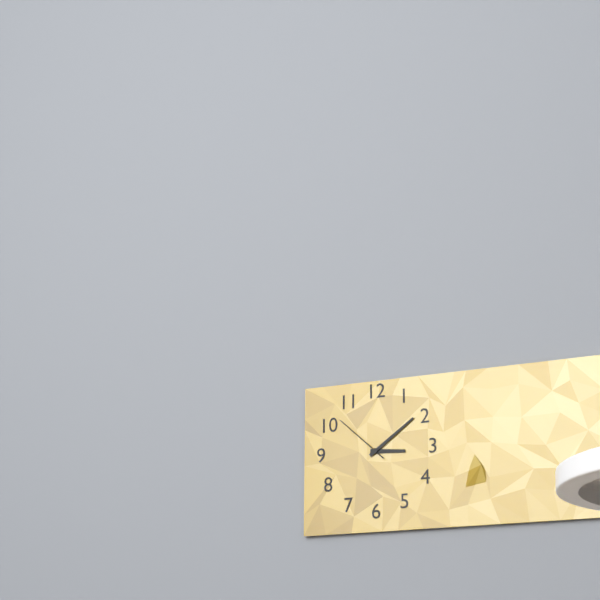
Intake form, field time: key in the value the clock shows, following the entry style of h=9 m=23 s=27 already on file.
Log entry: h=3 m=9 s=52
